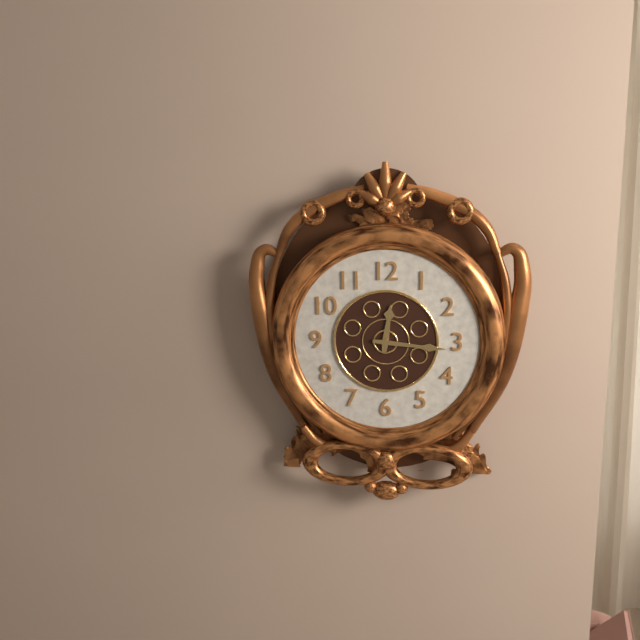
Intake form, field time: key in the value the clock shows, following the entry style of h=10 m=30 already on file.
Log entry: h=12 m=16
